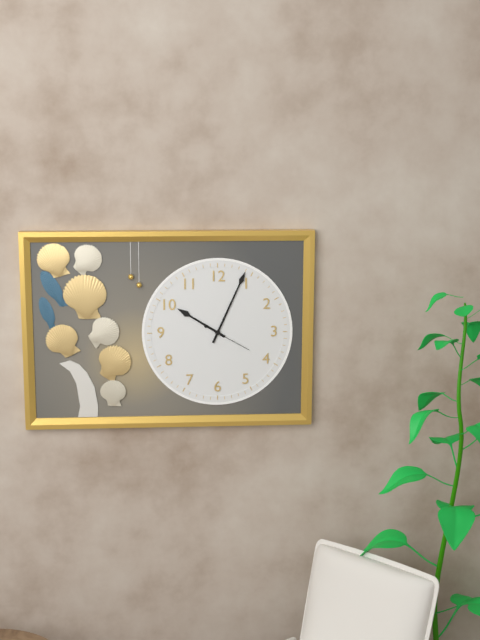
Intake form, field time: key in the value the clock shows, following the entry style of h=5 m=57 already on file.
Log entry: h=10 m=4
